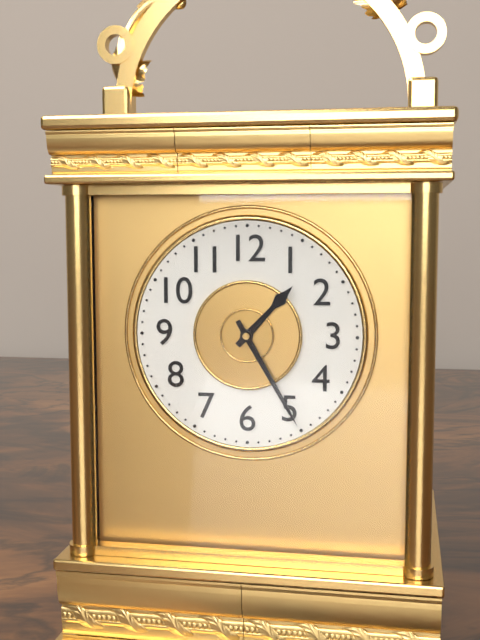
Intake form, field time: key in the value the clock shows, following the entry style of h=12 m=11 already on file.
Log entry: h=1 m=25
